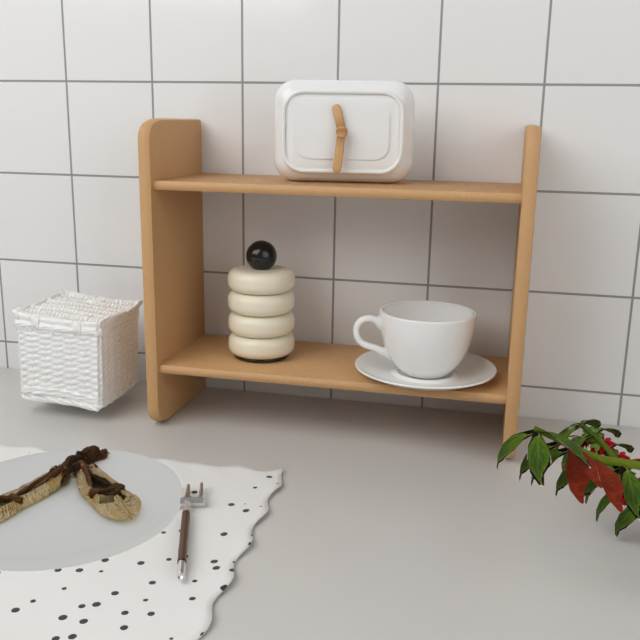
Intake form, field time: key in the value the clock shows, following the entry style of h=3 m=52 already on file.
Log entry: h=11 m=31
